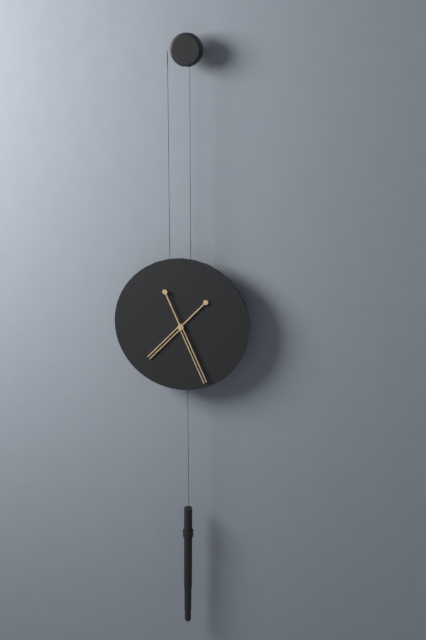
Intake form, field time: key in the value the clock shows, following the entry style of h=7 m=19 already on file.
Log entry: h=7 m=26
